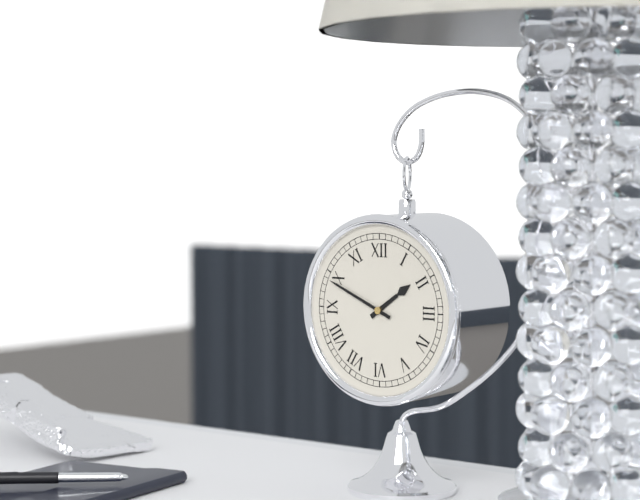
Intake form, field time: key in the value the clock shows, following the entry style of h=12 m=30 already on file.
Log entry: h=1 m=49
